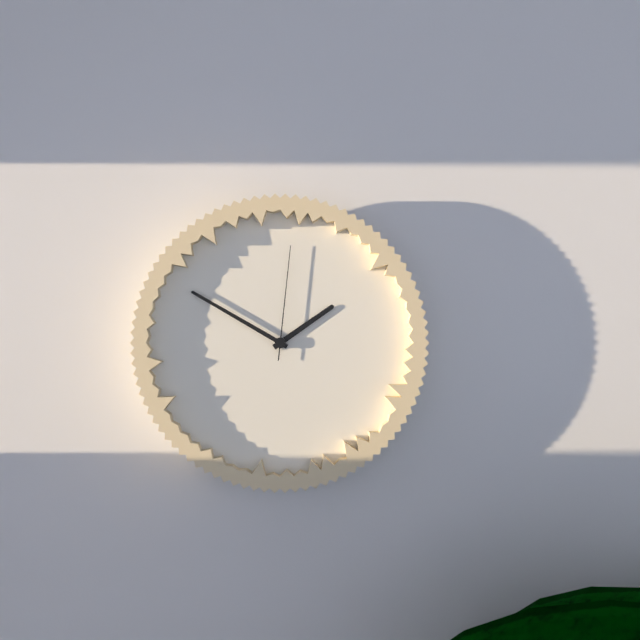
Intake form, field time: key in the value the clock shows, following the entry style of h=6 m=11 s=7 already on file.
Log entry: h=1 m=50 s=1
